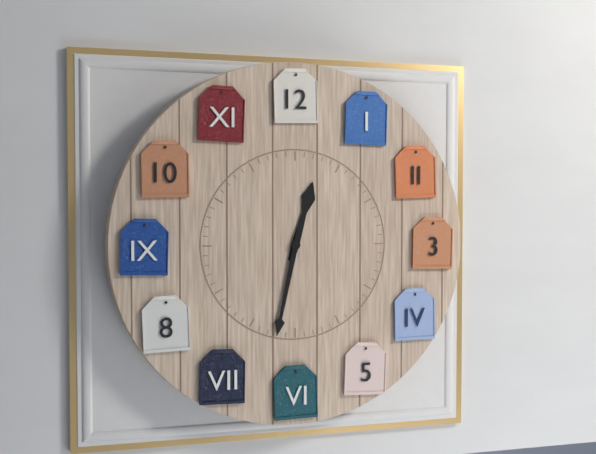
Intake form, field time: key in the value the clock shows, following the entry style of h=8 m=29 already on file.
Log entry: h=12 m=32
